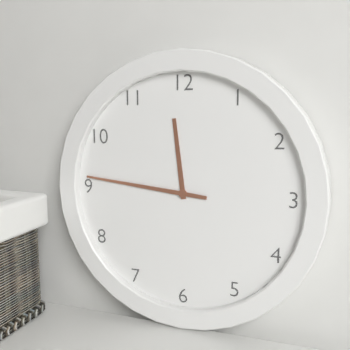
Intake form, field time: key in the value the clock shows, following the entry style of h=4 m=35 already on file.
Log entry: h=11 m=46
